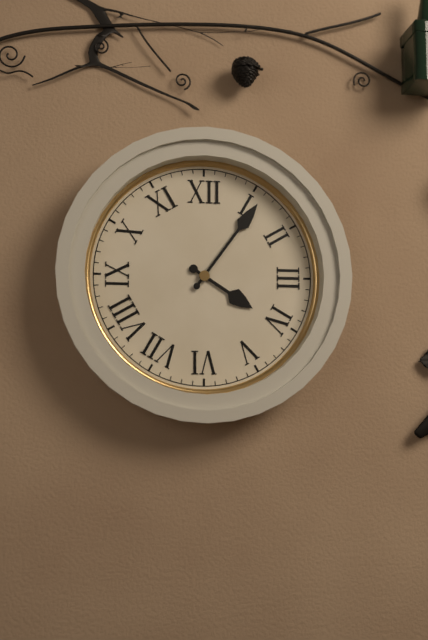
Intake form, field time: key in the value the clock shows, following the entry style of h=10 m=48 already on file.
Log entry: h=4 m=6
